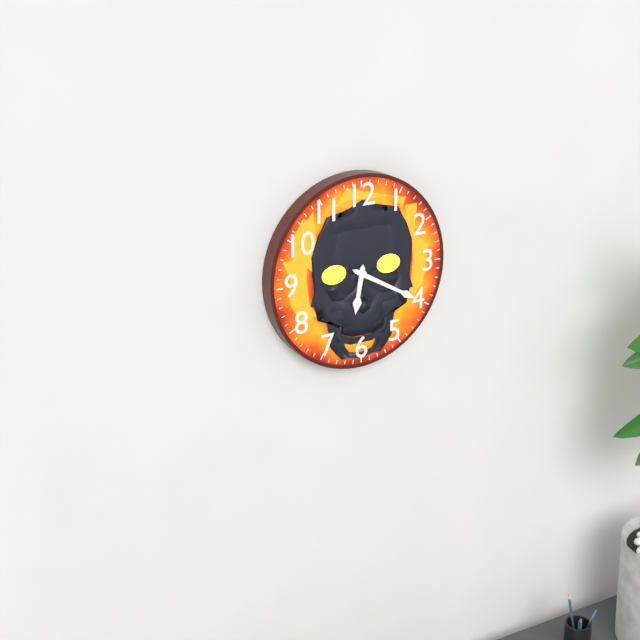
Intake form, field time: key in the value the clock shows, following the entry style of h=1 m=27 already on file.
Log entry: h=6 m=20
